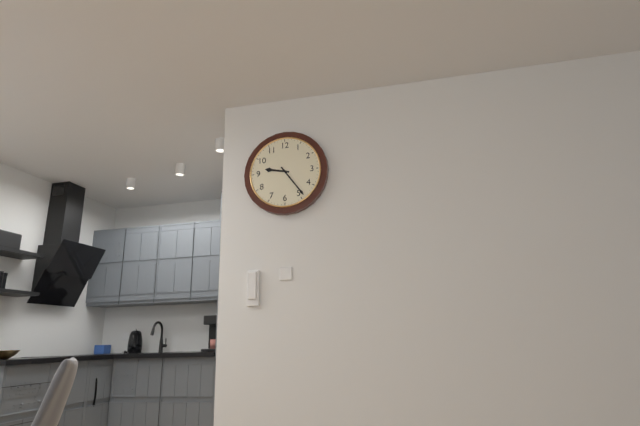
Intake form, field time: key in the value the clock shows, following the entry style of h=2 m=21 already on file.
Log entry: h=9 m=24
